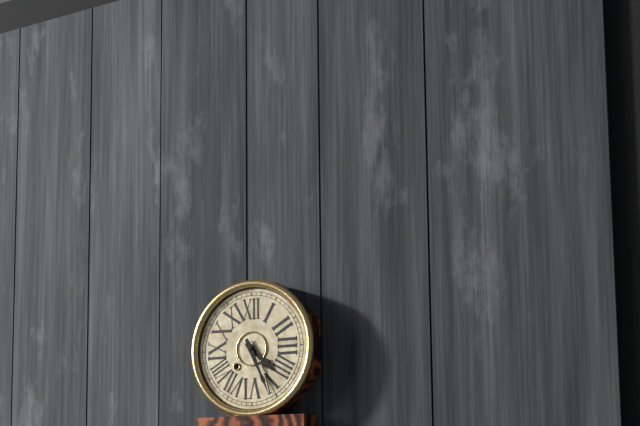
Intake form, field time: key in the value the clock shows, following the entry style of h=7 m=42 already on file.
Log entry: h=4 m=26
